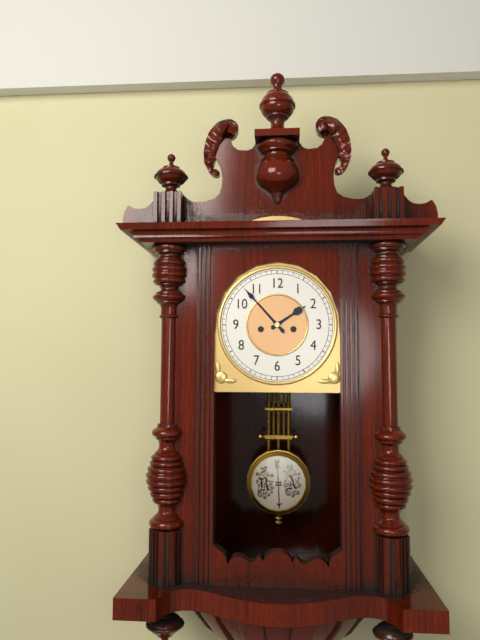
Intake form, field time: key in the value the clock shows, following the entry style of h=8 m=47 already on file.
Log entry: h=1 m=53
